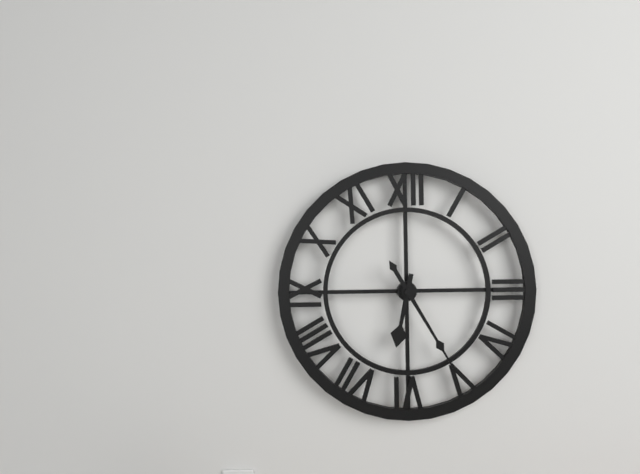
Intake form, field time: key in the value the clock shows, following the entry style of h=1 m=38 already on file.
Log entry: h=6 m=25
